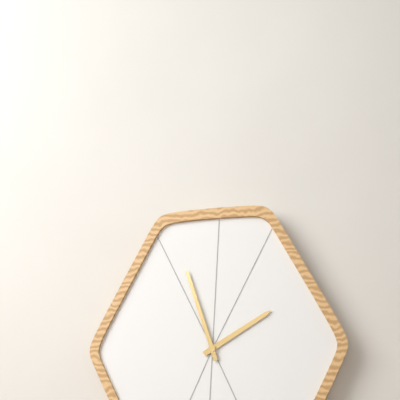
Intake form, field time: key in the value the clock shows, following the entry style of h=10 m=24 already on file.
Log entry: h=1 m=57
